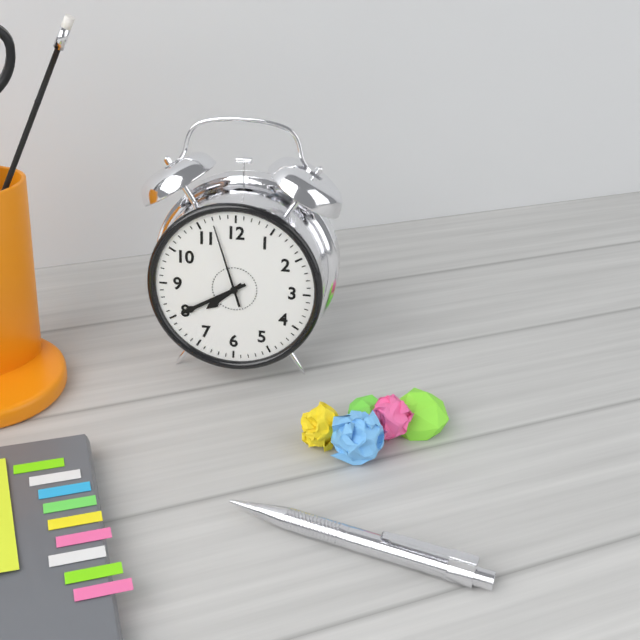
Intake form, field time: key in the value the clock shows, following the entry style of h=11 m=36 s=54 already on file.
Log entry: h=7 m=40 s=57
